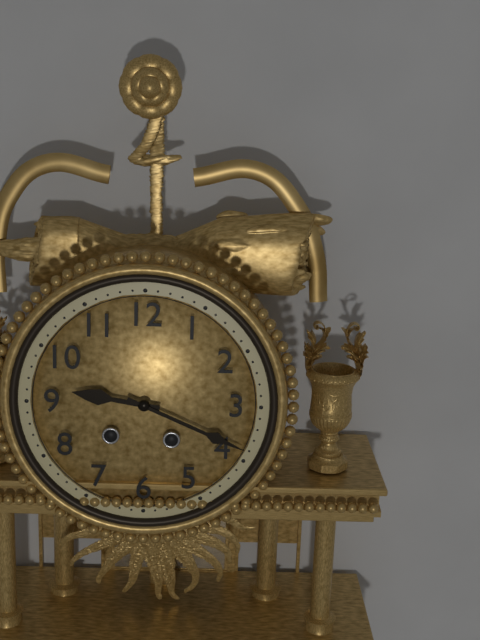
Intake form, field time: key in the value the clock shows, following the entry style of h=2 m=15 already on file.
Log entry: h=9 m=19
